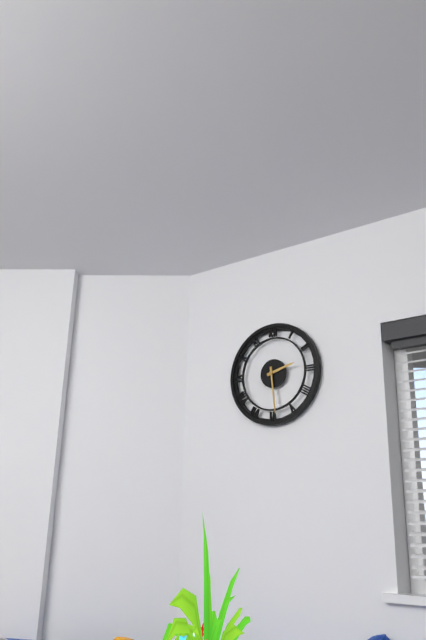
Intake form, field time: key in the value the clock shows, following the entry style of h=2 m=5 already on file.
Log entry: h=2 m=29
